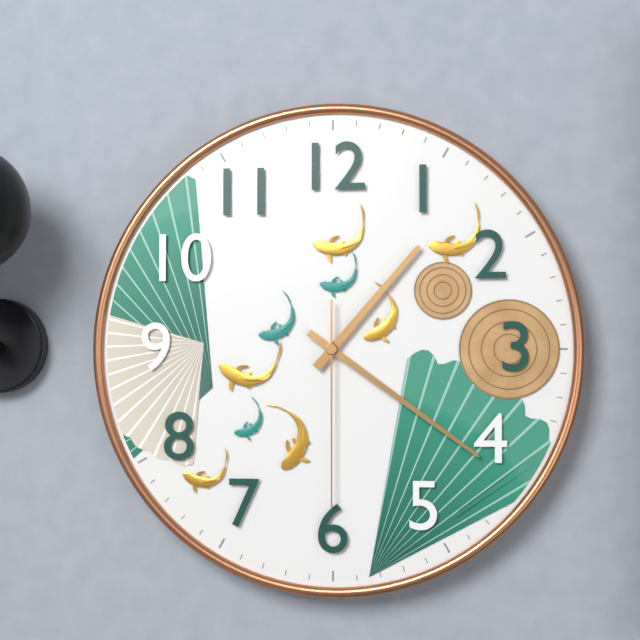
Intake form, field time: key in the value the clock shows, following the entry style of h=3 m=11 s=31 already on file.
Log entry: h=1 m=21 s=30
